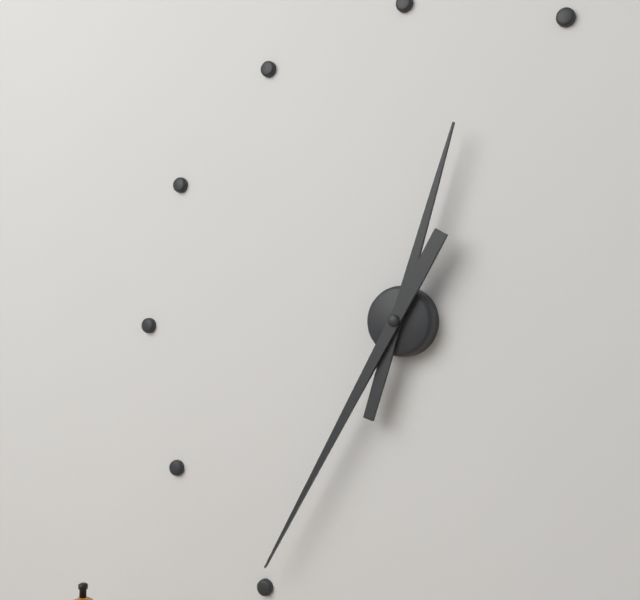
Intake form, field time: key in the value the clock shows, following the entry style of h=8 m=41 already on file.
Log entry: h=12 m=35
